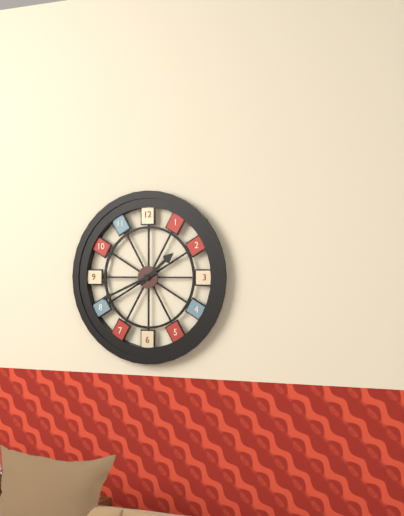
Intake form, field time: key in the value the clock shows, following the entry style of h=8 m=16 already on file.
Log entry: h=1 m=41
